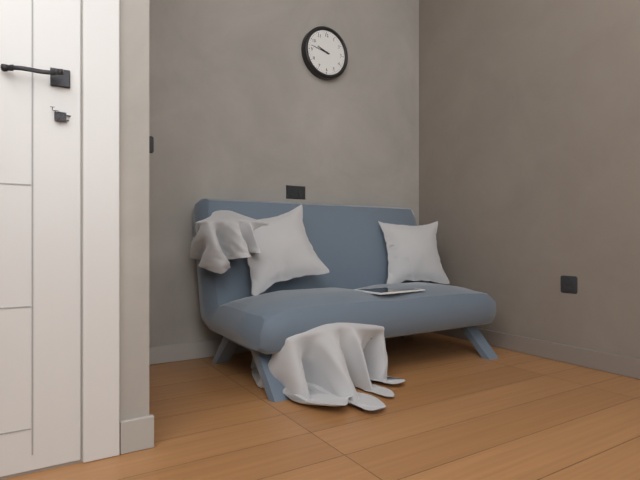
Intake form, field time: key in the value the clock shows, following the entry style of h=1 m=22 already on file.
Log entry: h=9 m=47
